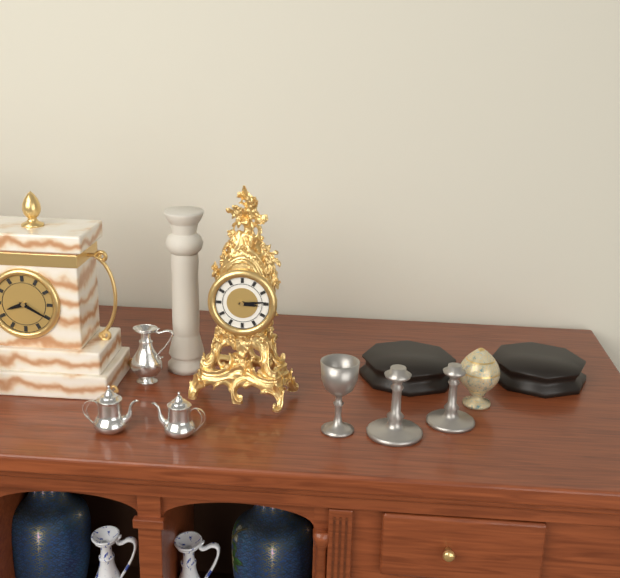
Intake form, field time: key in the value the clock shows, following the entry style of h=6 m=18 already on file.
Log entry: h=3 m=14
